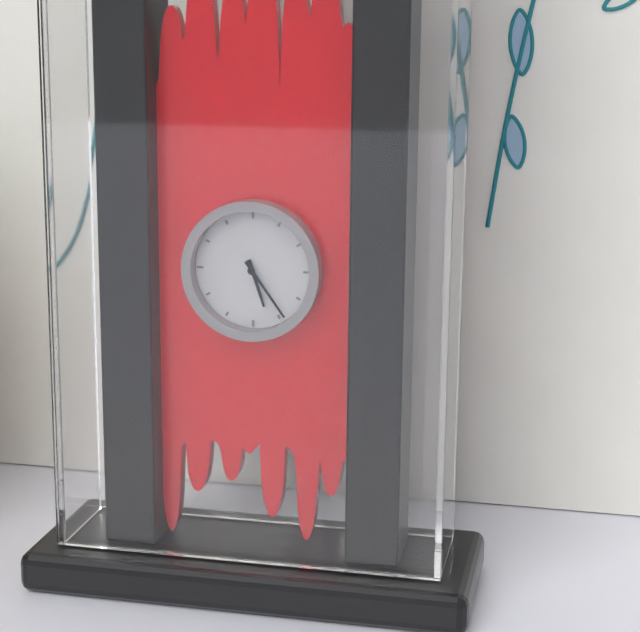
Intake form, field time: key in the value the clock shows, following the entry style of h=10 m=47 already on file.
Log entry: h=5 m=24
